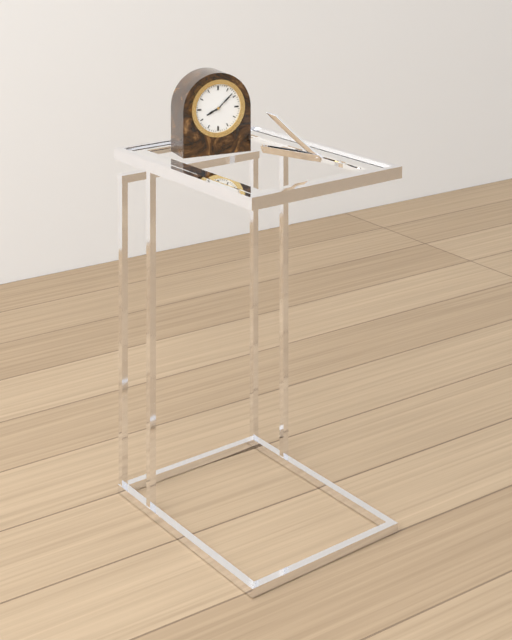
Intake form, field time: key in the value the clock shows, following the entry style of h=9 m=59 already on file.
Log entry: h=8 m=8
